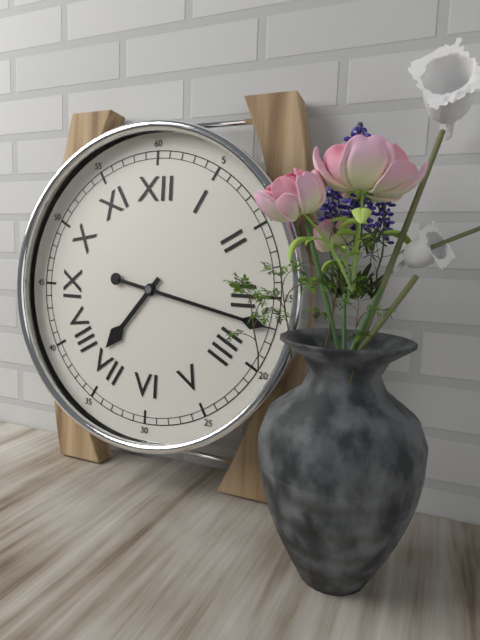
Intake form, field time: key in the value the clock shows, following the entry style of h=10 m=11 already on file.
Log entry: h=7 m=17
